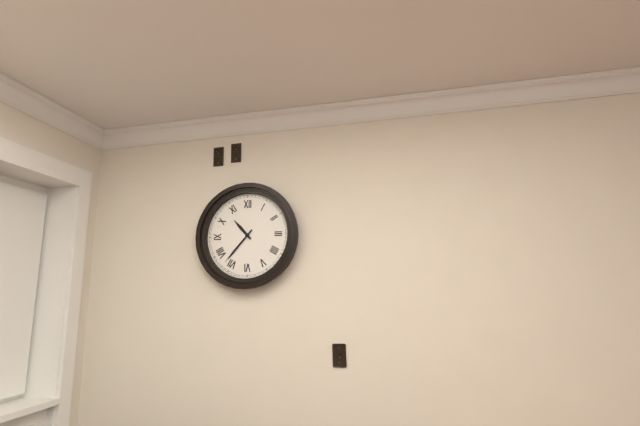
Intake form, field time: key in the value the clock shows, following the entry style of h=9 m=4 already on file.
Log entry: h=10 m=37
